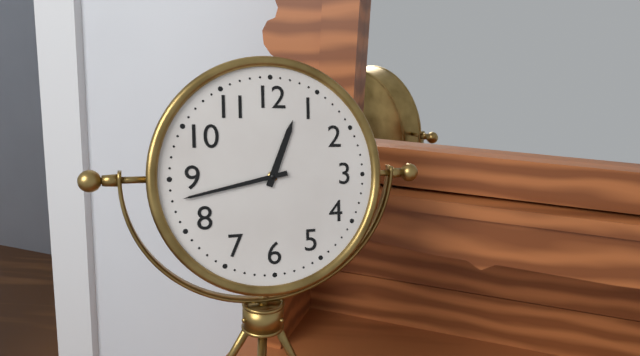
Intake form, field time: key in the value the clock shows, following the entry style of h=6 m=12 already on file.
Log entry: h=12 m=43
